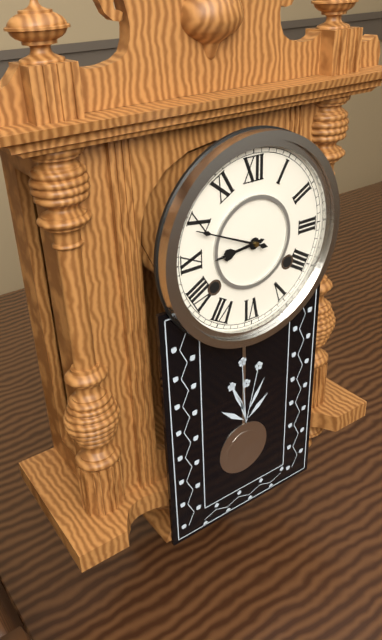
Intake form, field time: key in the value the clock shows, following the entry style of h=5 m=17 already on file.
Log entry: h=8 m=49
